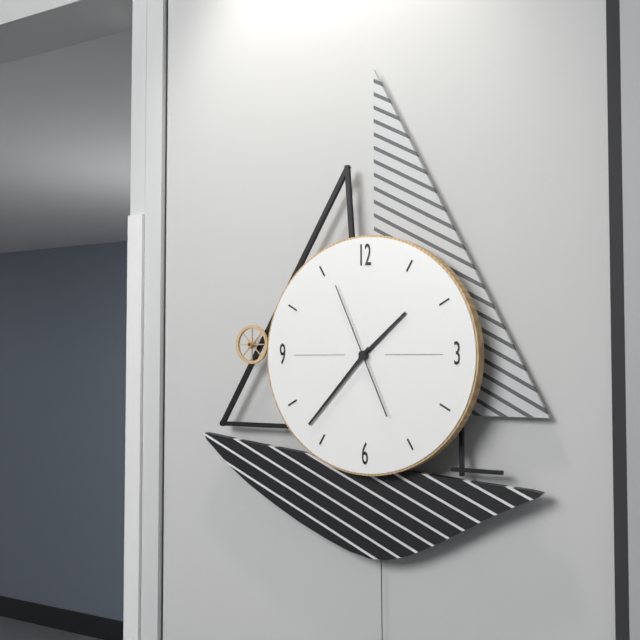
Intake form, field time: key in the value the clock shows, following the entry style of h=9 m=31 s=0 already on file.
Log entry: h=1 m=37 s=56
